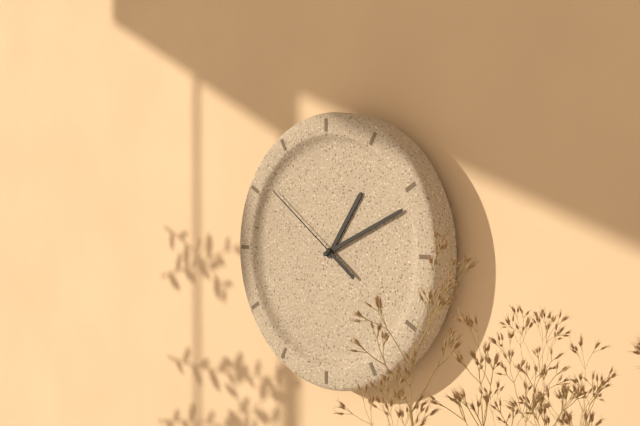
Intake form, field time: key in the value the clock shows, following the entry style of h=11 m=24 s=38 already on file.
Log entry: h=1 m=11 s=51
